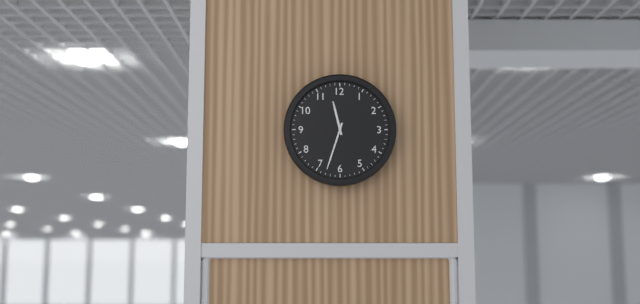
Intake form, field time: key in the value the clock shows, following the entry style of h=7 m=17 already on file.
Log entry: h=11 m=33
